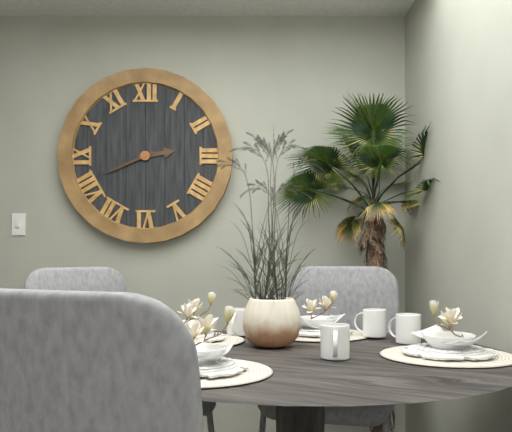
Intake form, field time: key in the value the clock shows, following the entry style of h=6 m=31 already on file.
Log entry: h=2 m=41
